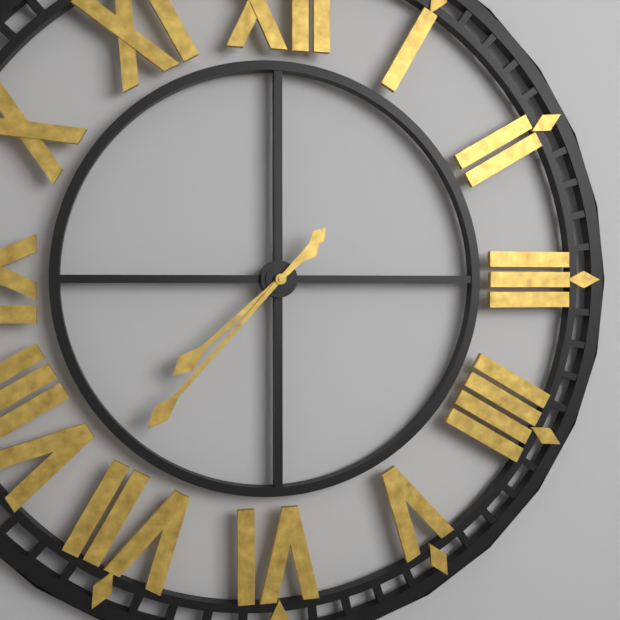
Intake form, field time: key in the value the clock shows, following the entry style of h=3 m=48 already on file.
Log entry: h=7 m=37
